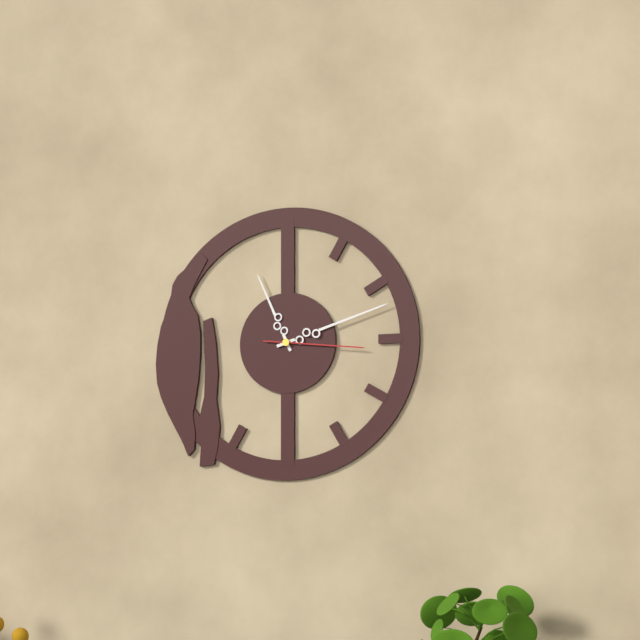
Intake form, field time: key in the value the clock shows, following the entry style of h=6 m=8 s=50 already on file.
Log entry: h=11 m=12 s=16
